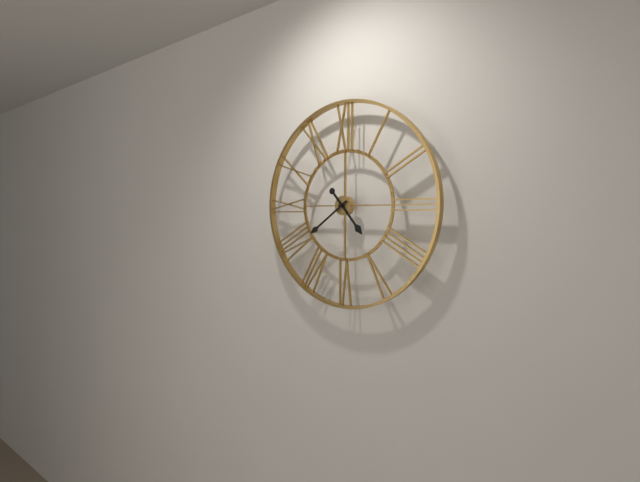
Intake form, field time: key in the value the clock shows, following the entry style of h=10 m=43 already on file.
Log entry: h=4 m=39
